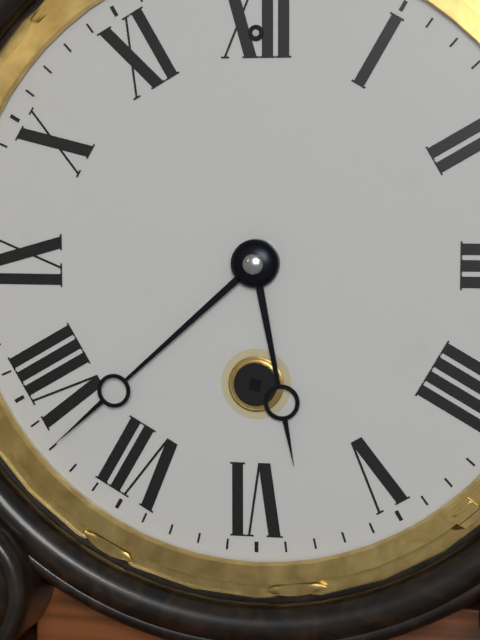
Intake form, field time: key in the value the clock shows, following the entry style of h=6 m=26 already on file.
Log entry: h=5 m=38
